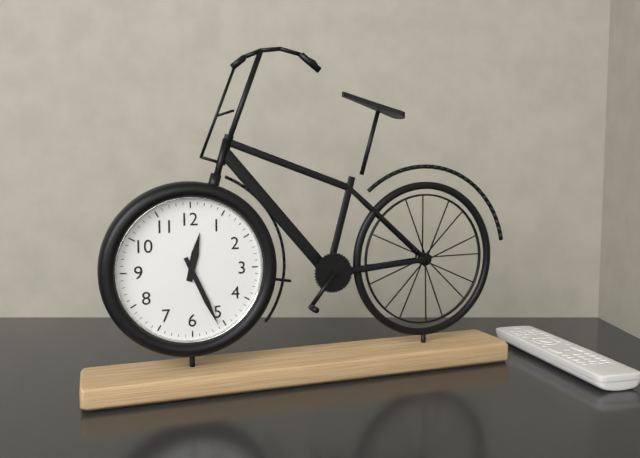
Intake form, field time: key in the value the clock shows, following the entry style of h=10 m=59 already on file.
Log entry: h=12 m=26
